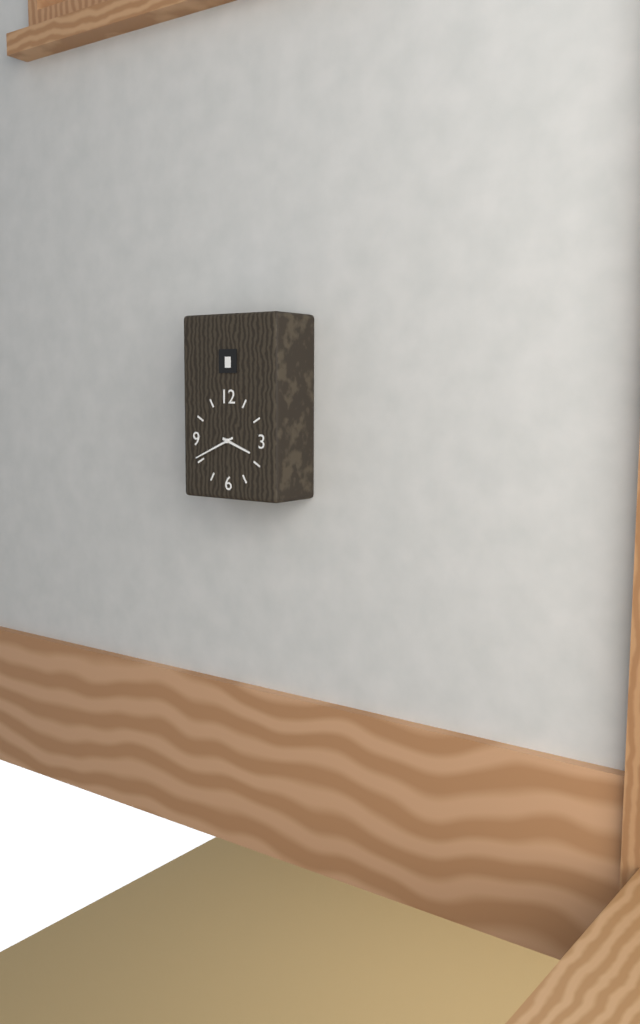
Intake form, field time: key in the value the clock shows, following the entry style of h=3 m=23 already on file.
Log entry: h=3 m=41
